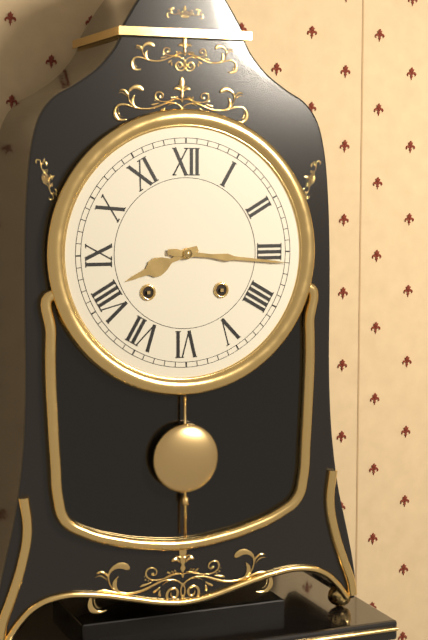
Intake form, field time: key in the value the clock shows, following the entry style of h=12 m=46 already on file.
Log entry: h=8 m=16
